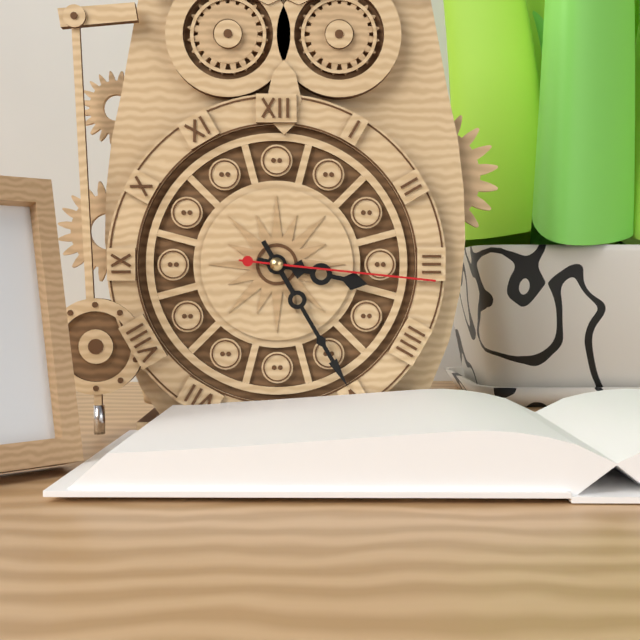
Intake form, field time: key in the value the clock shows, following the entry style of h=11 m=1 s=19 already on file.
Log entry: h=3 m=25 s=16
